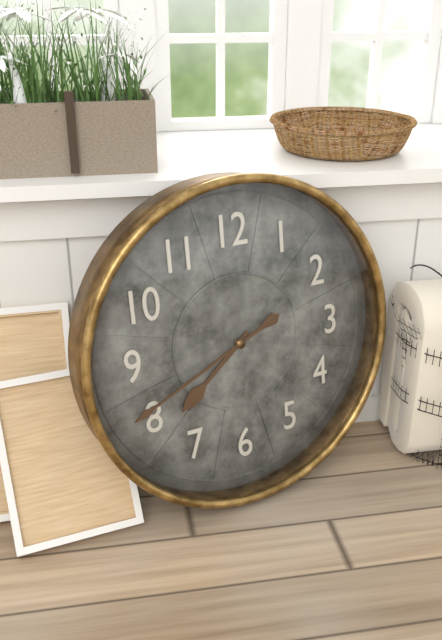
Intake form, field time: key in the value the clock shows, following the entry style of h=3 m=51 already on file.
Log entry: h=7 m=41
